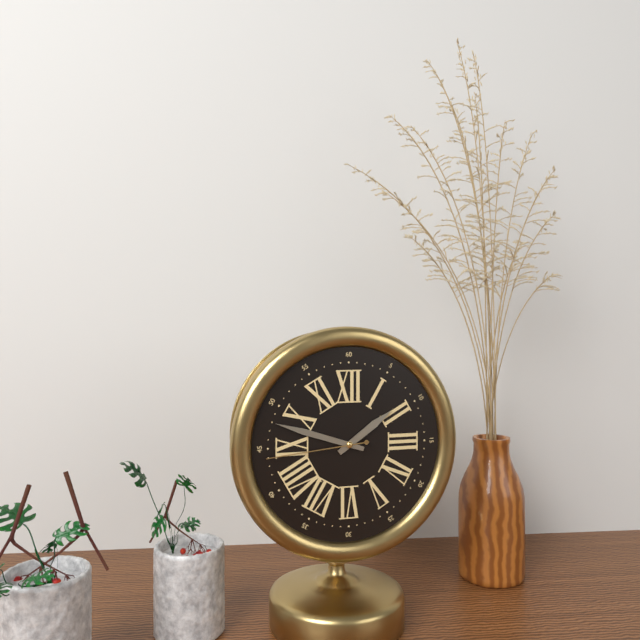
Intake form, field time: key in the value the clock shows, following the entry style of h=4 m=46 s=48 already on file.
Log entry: h=1 m=48 s=44
